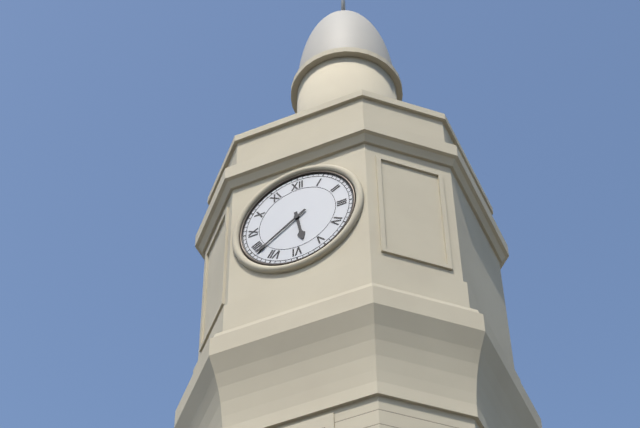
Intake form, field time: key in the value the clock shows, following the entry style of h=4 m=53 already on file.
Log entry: h=5 m=39
